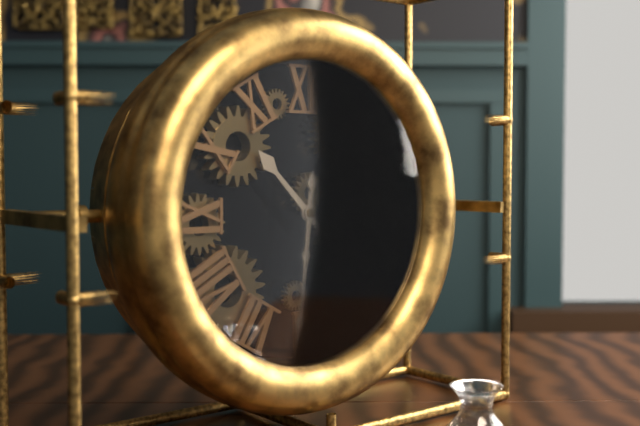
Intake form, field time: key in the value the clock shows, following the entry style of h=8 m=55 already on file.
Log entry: h=10 m=31
